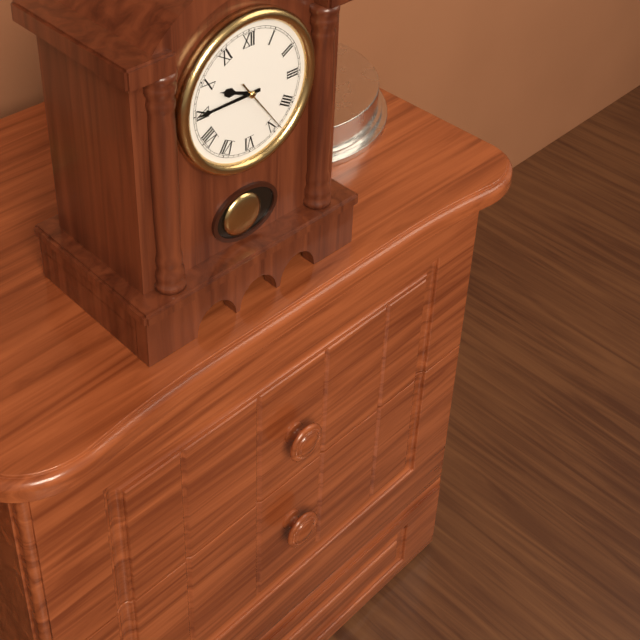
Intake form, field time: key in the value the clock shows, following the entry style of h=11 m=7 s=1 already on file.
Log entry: h=9 m=45 s=24
